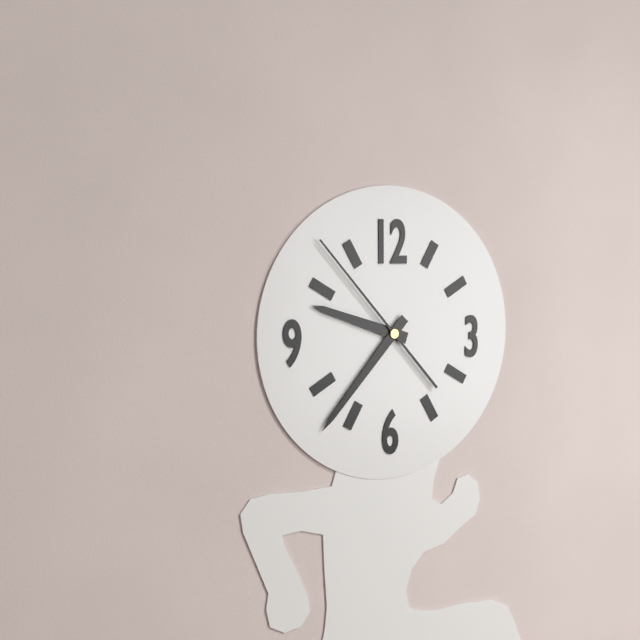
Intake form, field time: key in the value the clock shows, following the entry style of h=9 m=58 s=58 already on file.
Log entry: h=9 m=37 s=53
